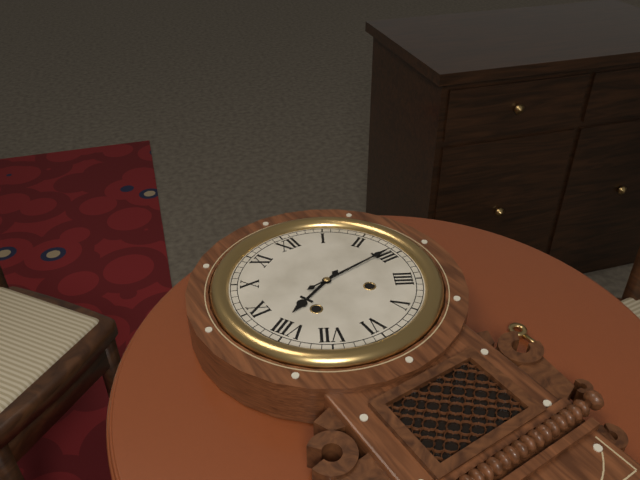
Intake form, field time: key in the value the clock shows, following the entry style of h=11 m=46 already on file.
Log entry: h=8 m=14
